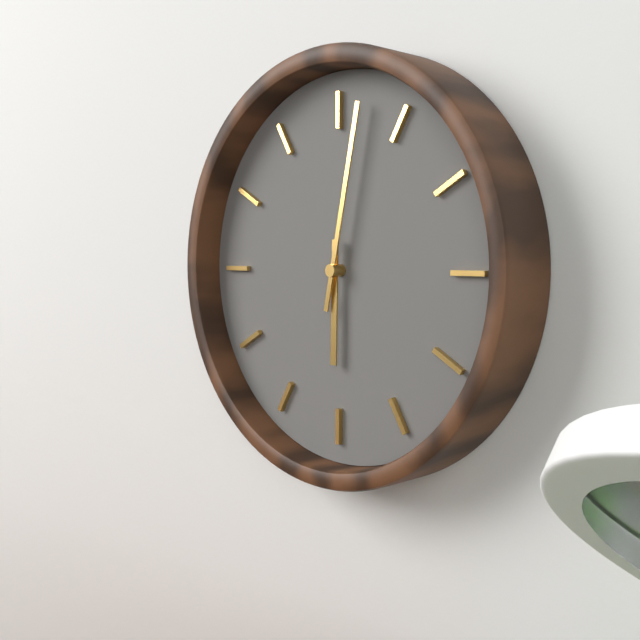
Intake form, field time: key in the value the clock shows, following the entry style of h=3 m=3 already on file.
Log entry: h=6 m=2
